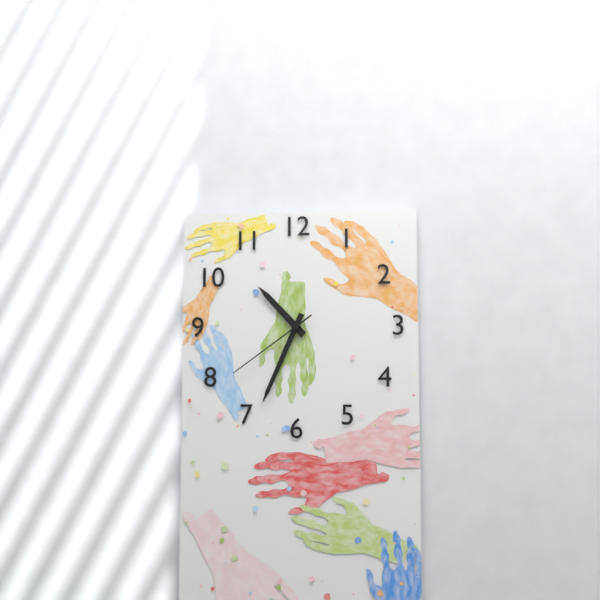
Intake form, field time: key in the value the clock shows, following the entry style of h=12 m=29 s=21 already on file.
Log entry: h=10 m=34 s=39
